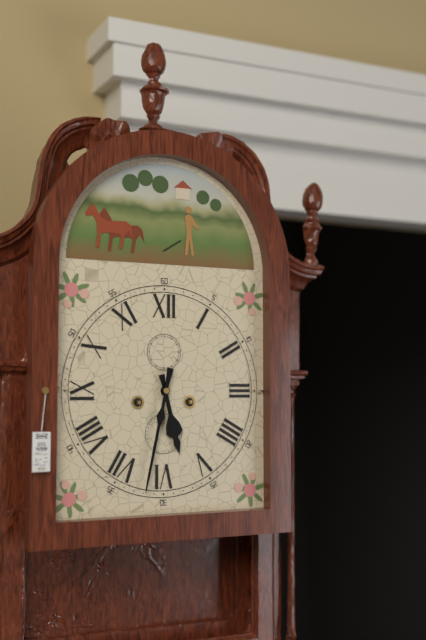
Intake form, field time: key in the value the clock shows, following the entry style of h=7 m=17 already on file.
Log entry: h=5 m=32
